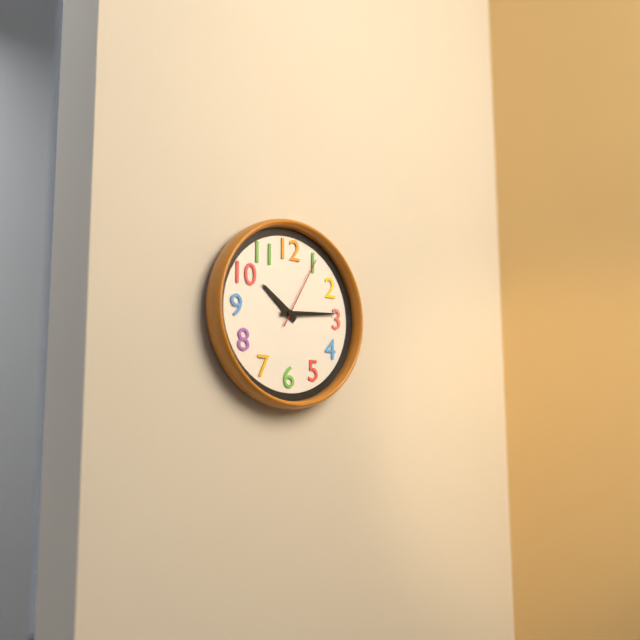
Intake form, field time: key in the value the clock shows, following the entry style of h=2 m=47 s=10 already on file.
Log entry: h=10 m=14 s=5
